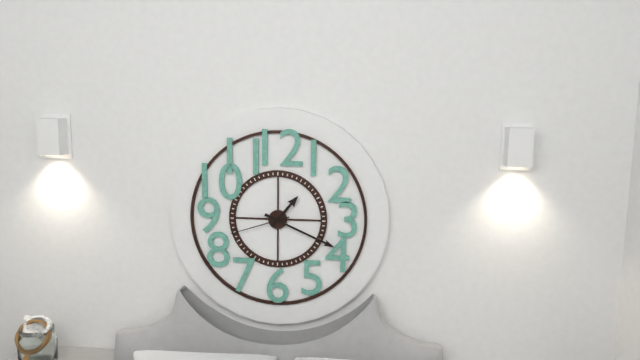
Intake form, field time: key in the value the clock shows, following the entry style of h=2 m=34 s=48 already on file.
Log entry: h=1 m=19 s=42
